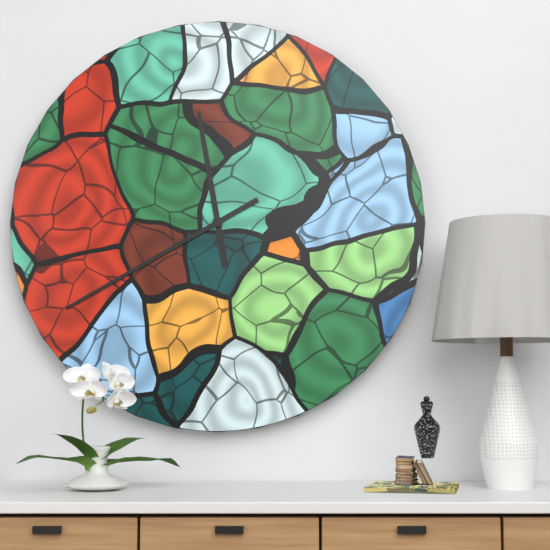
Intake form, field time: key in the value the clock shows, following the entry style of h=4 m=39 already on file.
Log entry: h=11 m=40
